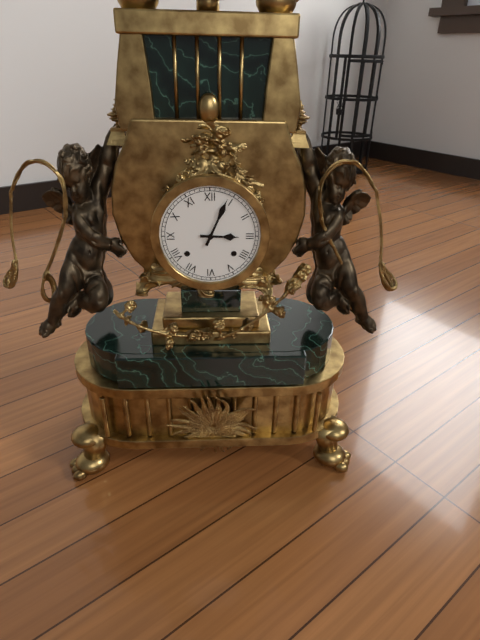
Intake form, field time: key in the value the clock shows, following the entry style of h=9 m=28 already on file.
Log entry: h=3 m=4
